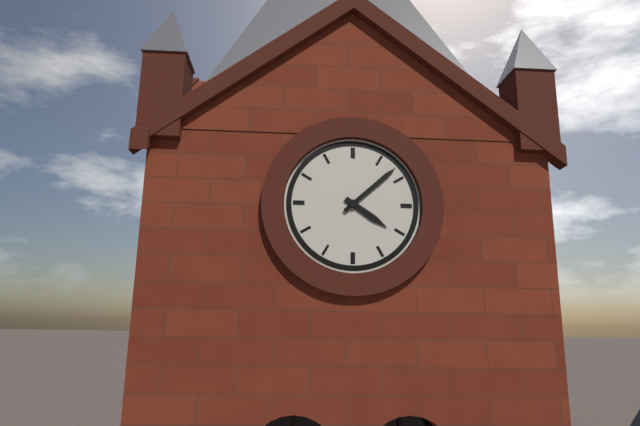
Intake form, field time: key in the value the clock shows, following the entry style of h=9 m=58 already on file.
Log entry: h=4 m=8
